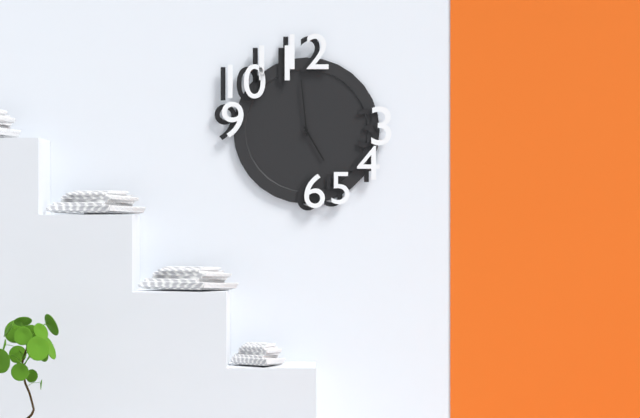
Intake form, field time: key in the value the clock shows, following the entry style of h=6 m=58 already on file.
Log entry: h=4 m=59
